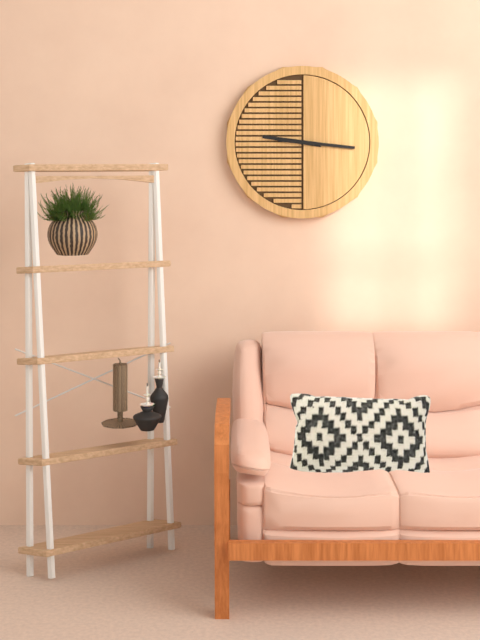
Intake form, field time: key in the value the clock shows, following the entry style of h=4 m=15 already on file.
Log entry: h=9 m=16
